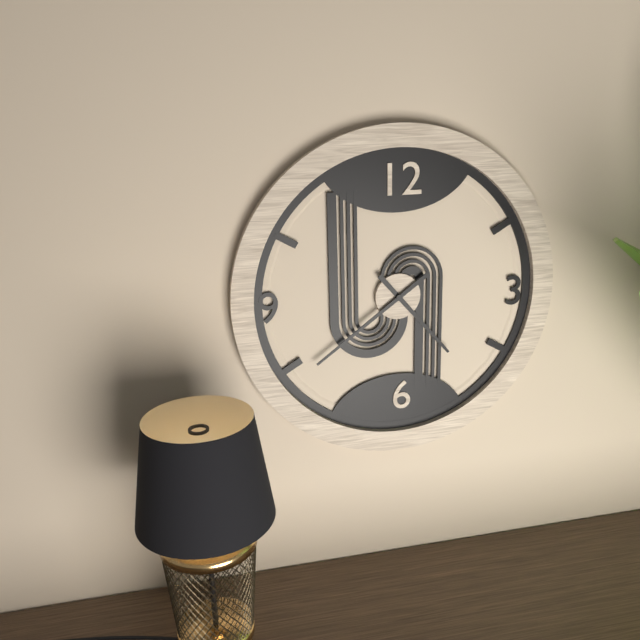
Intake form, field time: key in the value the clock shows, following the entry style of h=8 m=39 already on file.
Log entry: h=4 m=39
